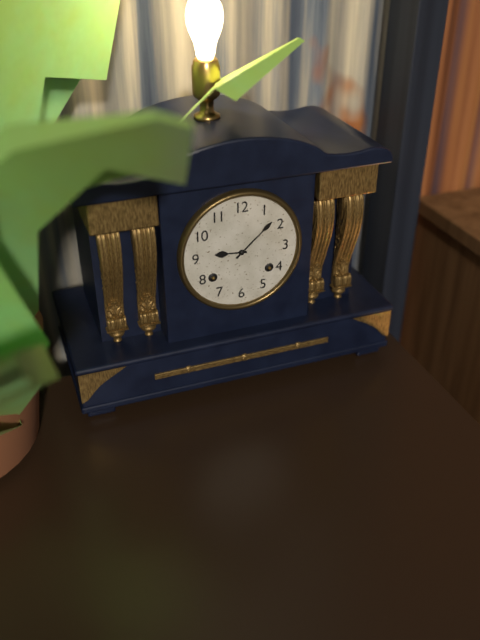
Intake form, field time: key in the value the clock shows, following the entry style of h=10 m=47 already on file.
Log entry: h=9 m=8
